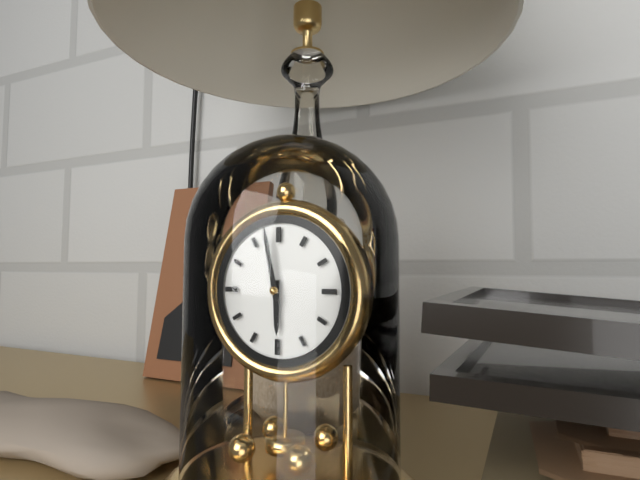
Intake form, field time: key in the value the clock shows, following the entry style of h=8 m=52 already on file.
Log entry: h=5 m=58
